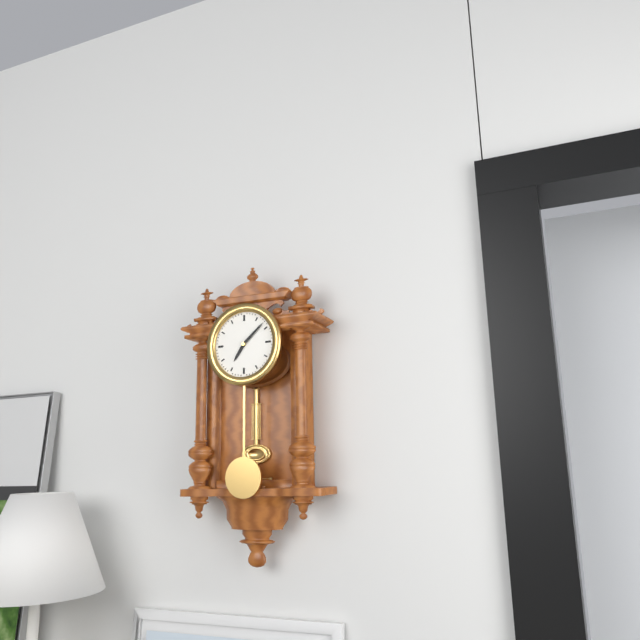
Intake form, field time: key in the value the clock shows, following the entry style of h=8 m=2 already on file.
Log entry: h=7 m=8
